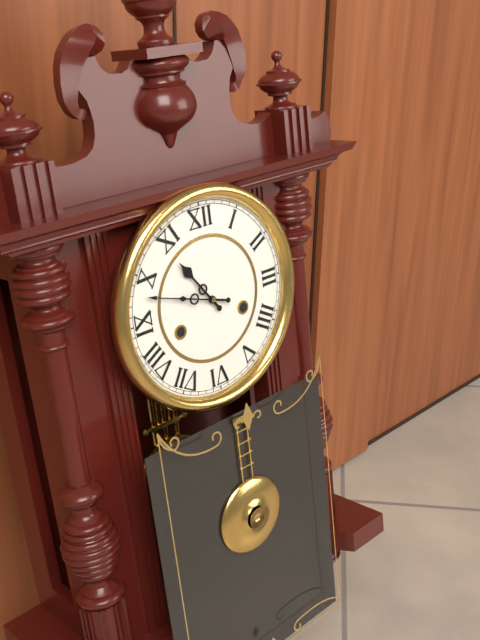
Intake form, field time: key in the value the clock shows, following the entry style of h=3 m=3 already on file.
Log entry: h=10 m=48
